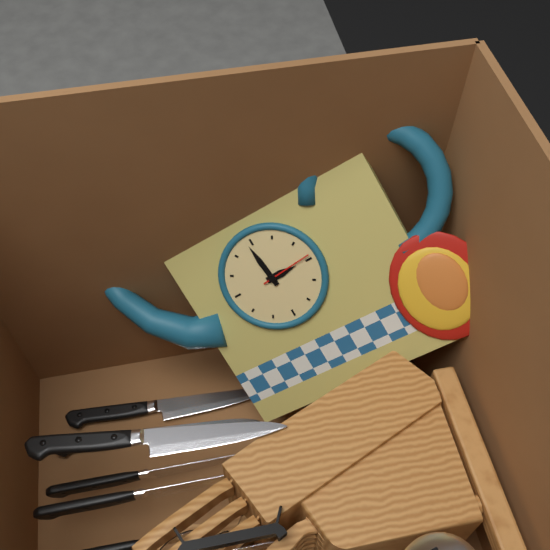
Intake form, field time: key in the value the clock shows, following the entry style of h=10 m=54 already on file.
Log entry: h=2 m=59
